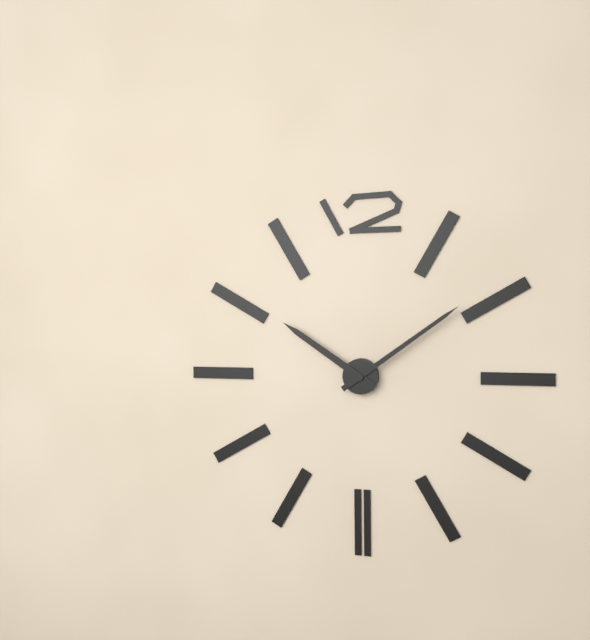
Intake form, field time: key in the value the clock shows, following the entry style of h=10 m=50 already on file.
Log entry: h=10 m=9
